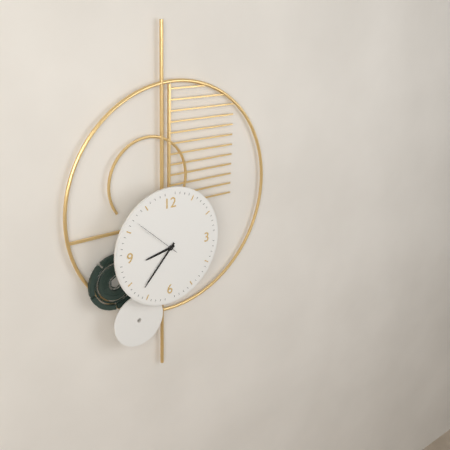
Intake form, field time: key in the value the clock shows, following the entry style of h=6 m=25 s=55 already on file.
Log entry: h=8 m=37 s=52
